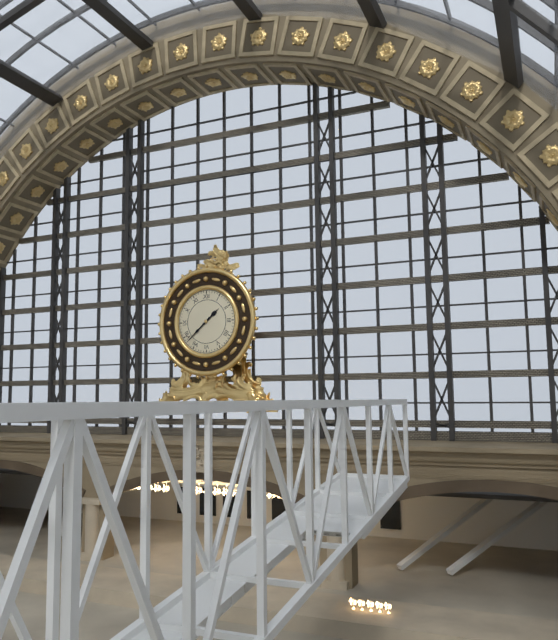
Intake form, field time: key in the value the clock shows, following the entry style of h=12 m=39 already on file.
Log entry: h=1 m=38
